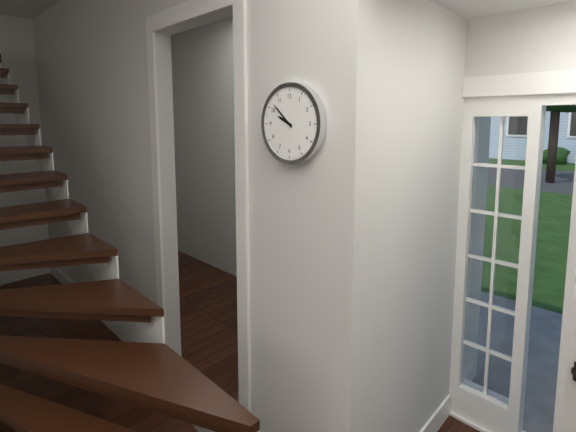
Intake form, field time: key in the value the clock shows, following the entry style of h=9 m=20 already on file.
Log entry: h=9 m=52
